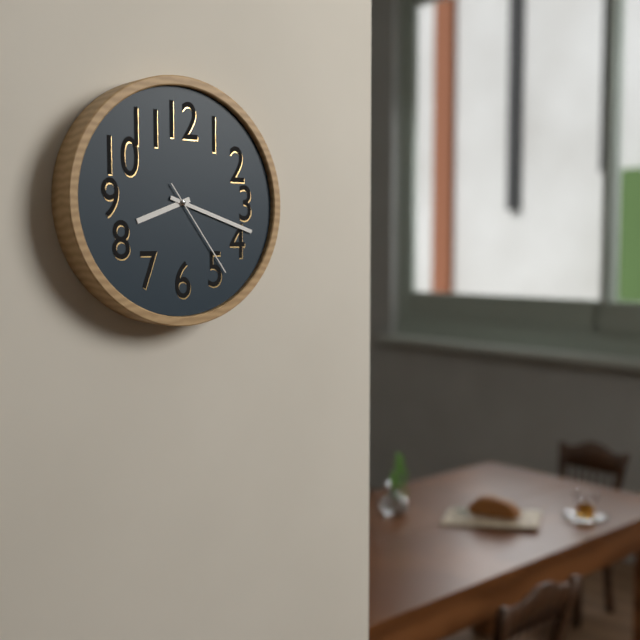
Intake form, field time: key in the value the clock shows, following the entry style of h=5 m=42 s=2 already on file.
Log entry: h=8 m=18 s=24
